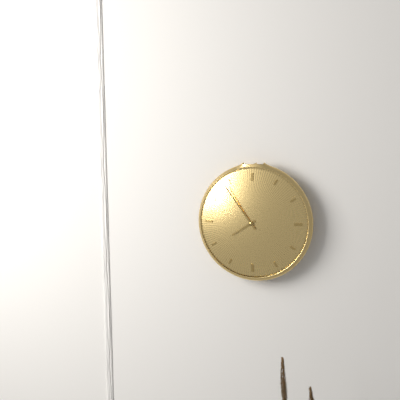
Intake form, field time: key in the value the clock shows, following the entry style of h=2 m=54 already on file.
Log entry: h=7 m=54
